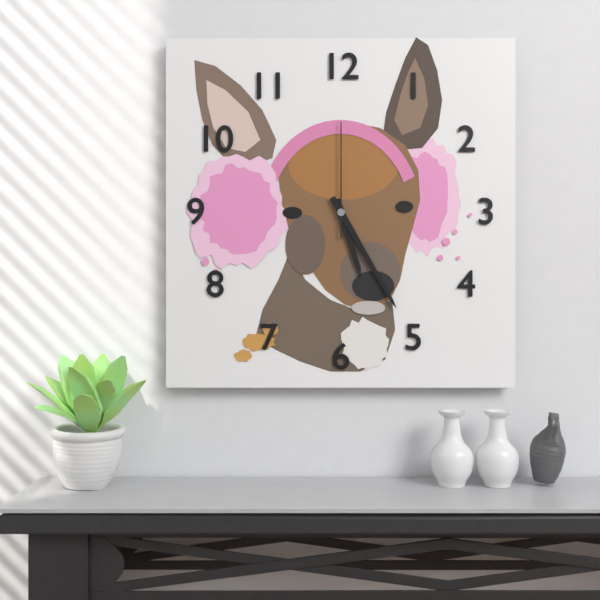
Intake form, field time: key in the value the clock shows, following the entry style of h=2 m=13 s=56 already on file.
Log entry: h=5 m=25 s=0
